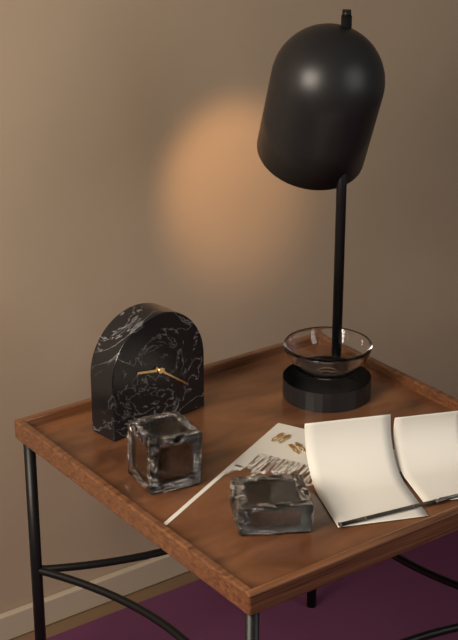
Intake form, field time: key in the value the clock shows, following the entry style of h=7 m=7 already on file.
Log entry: h=9 m=21
